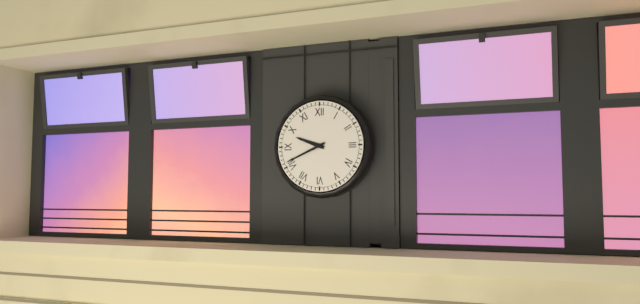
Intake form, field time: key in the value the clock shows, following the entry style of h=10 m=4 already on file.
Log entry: h=9 m=41
